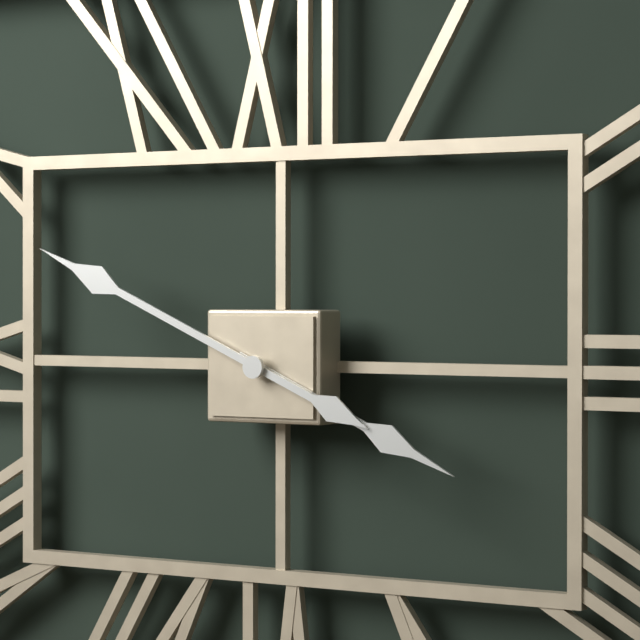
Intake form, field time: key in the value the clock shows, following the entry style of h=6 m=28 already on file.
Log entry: h=3 m=49
